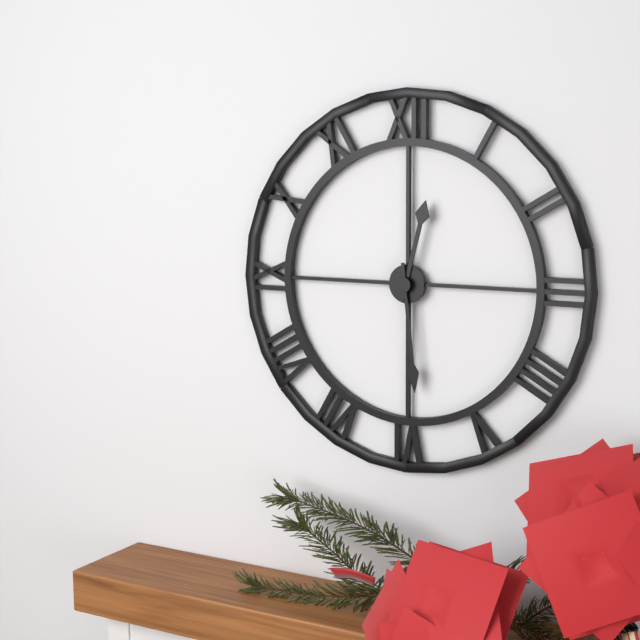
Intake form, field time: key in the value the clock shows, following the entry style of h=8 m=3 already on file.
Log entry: h=12 m=29
